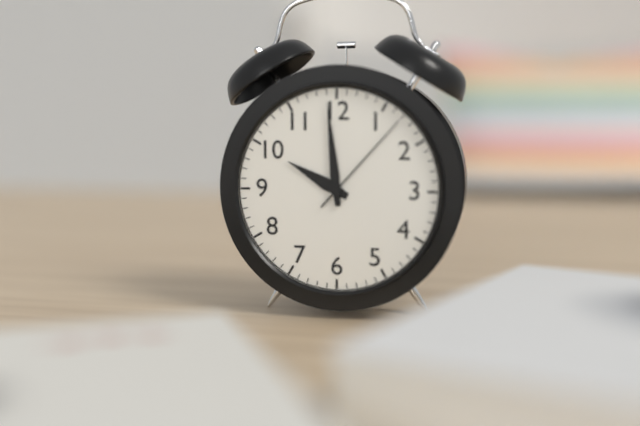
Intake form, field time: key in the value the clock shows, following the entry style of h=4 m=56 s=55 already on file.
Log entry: h=9 m=59 s=7
